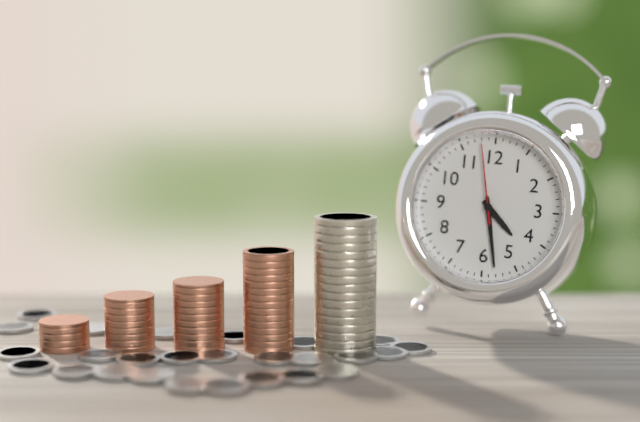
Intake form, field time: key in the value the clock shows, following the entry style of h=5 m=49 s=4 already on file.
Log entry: h=4 m=28 s=58
